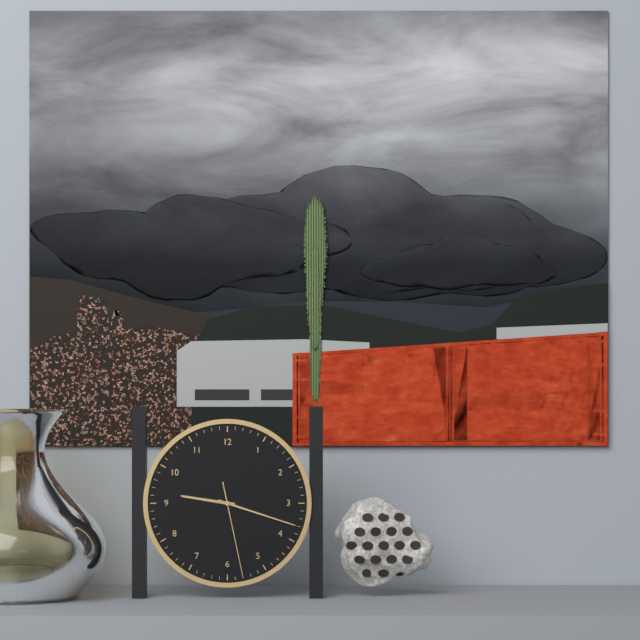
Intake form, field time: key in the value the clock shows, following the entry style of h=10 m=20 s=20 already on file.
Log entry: h=9 m=18 s=28
